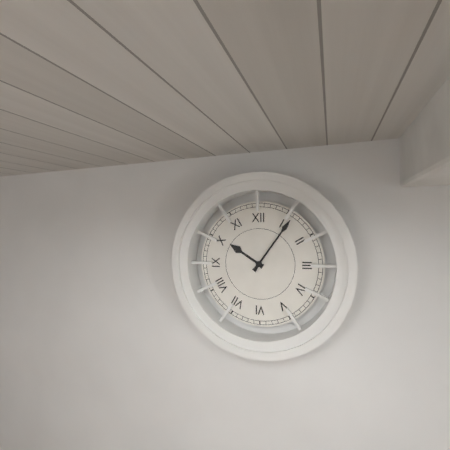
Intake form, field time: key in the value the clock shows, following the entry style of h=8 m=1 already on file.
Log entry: h=10 m=6
